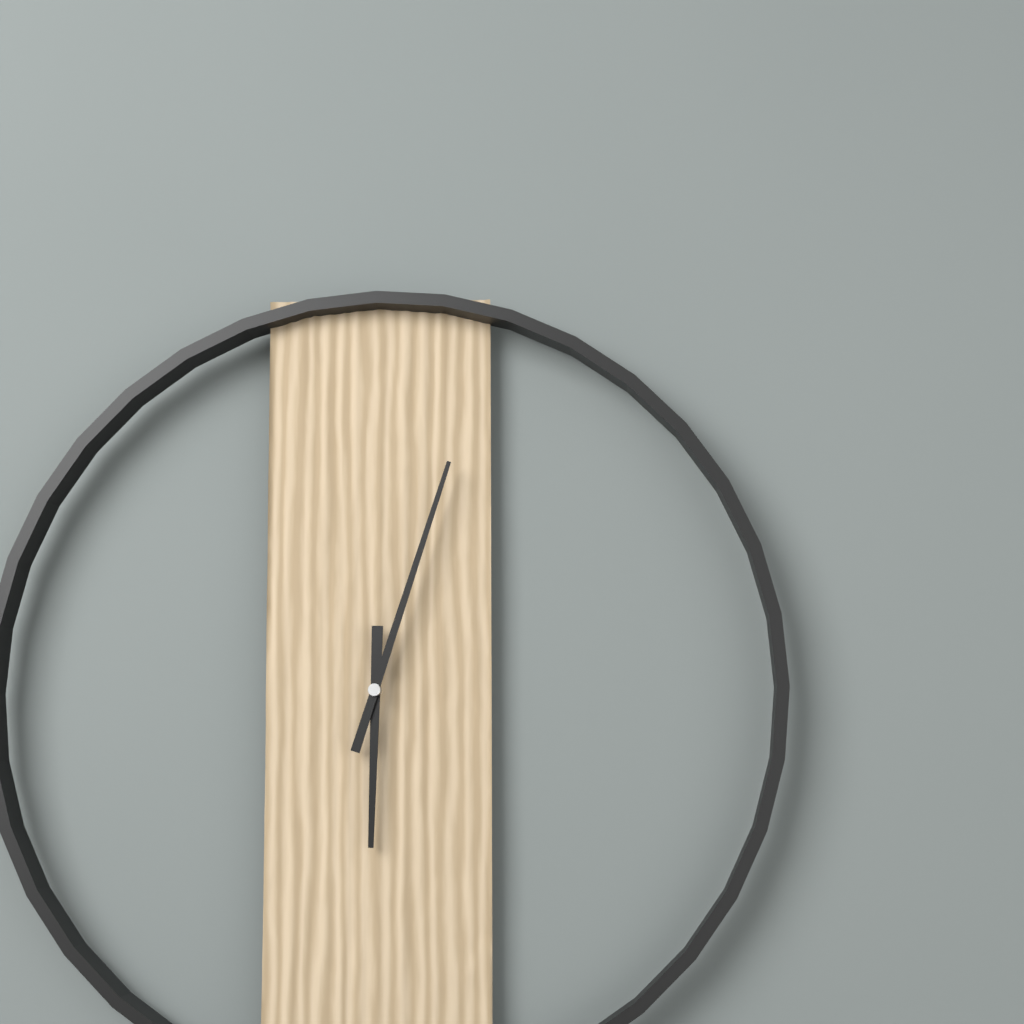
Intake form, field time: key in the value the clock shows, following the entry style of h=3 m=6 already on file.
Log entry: h=6 m=3
